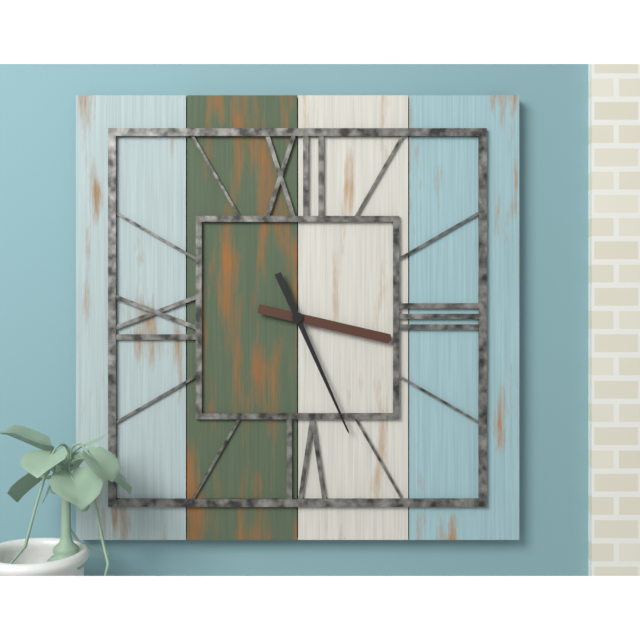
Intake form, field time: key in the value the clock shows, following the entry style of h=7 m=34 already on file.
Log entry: h=3 m=26
